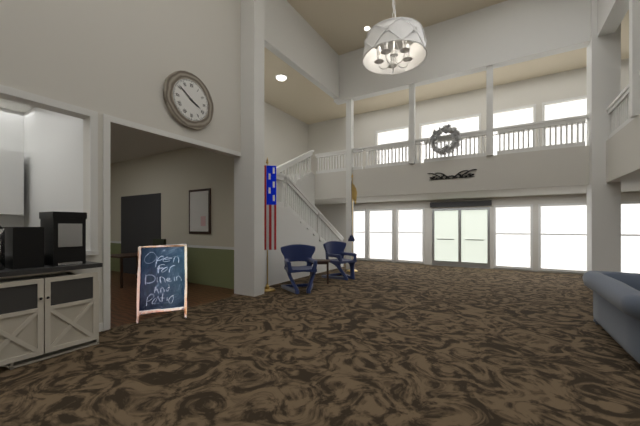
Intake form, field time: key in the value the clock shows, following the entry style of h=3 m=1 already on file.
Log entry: h=3 m=51
